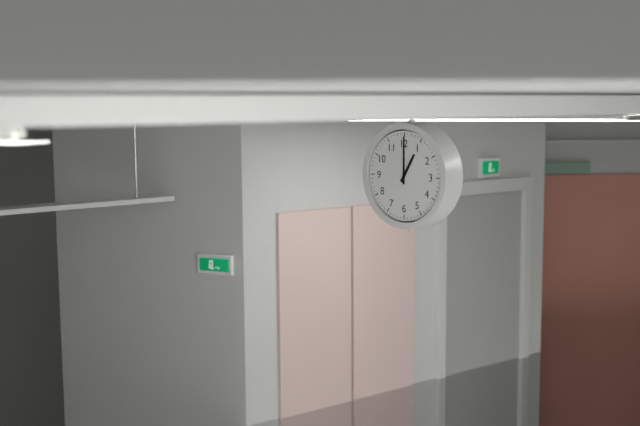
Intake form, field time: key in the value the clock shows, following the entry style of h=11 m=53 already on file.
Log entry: h=1 m=0
